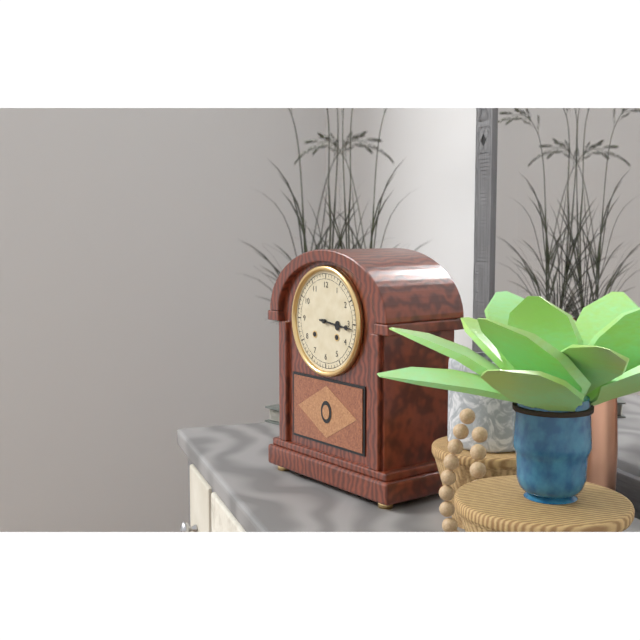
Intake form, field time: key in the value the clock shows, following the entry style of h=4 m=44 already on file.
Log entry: h=3 m=16
